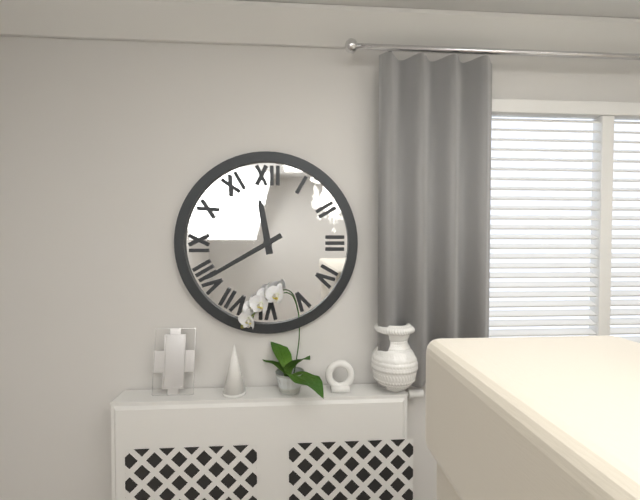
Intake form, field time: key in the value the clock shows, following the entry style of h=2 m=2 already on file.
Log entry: h=11 m=40
